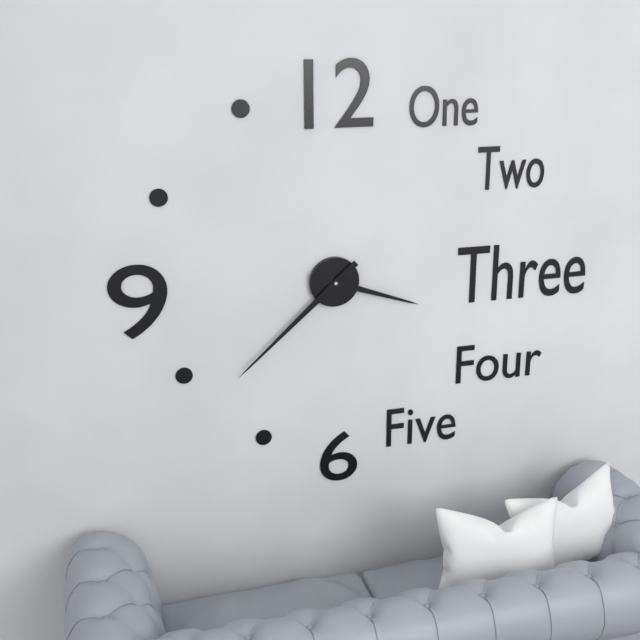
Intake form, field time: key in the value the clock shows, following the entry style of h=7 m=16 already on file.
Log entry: h=3 m=38
